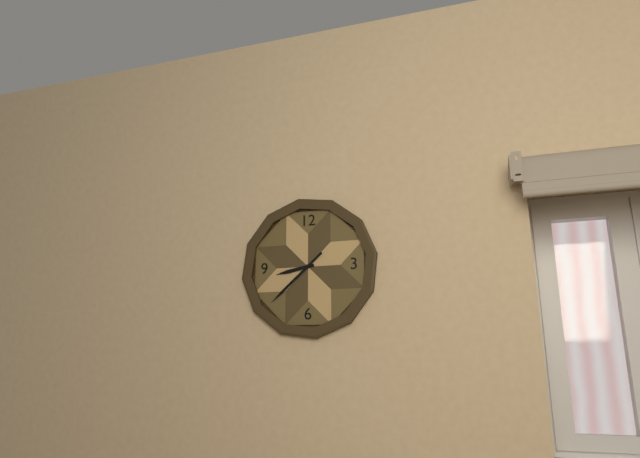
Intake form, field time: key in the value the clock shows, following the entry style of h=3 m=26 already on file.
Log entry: h=8 m=38
